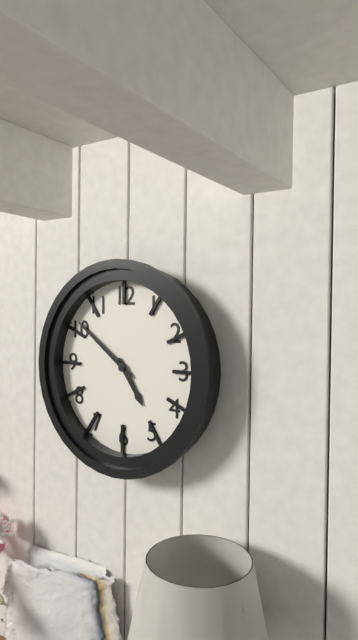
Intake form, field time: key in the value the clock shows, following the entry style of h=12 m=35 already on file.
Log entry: h=4 m=51
